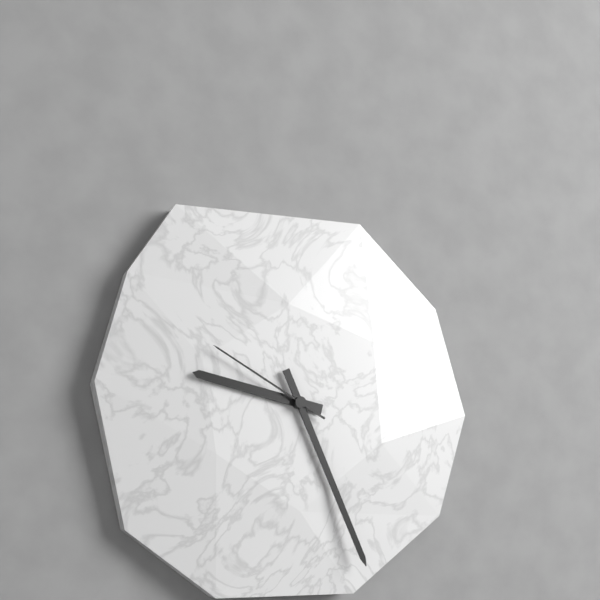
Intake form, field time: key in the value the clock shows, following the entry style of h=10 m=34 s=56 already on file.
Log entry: h=9 m=26 s=50
